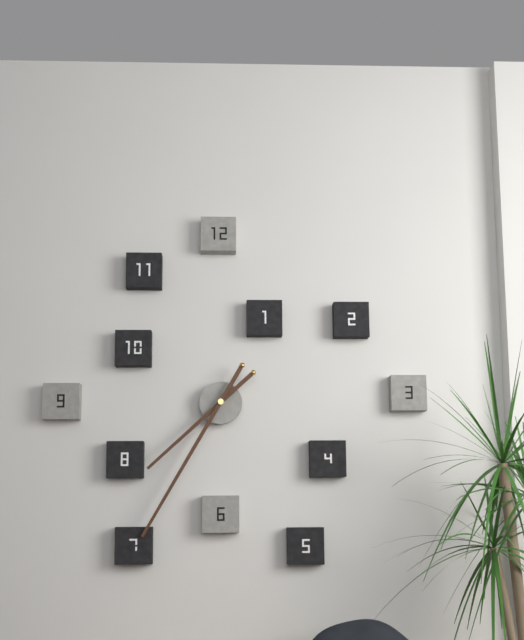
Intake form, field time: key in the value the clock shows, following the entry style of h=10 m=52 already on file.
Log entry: h=7 m=35
